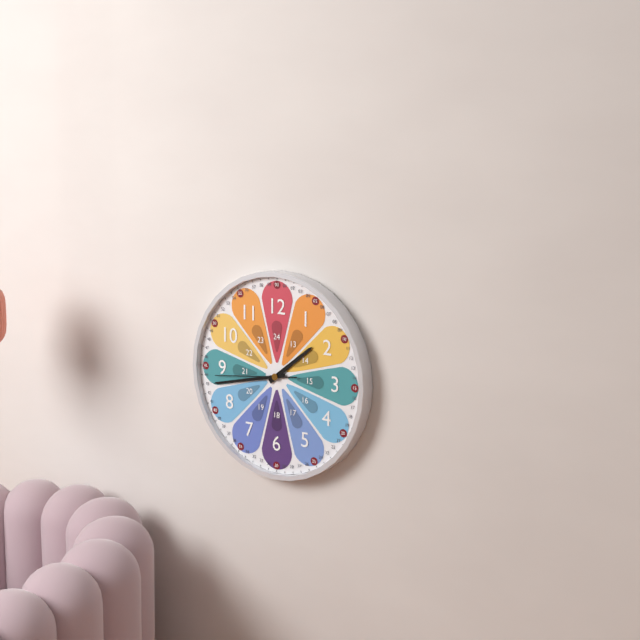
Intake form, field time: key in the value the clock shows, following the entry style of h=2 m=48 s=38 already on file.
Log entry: h=1 m=43 s=44
